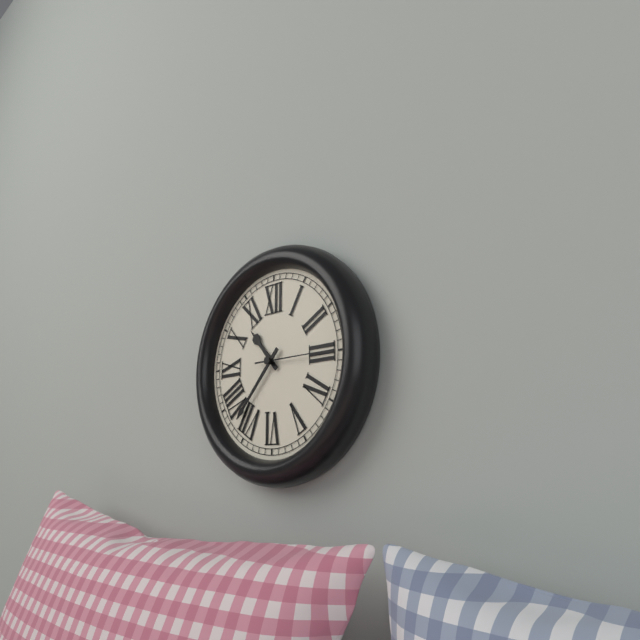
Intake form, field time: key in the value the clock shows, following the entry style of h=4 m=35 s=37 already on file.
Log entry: h=10 m=37 s=15
